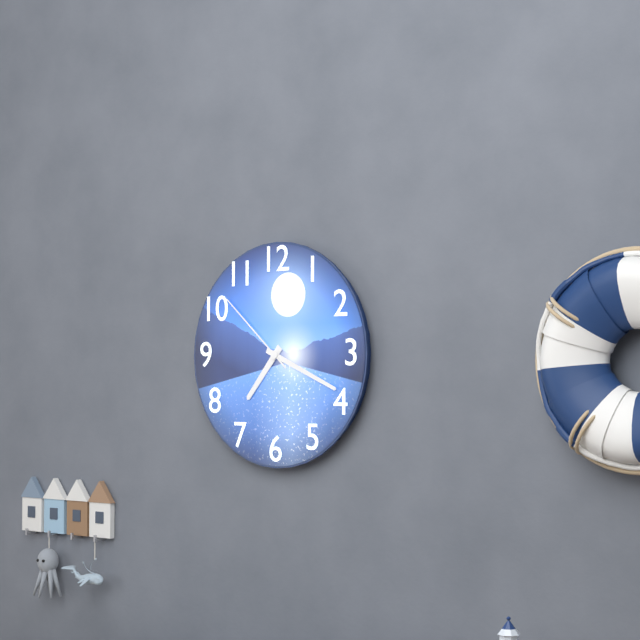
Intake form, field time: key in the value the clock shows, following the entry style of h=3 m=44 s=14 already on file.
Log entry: h=7 m=19 s=52
